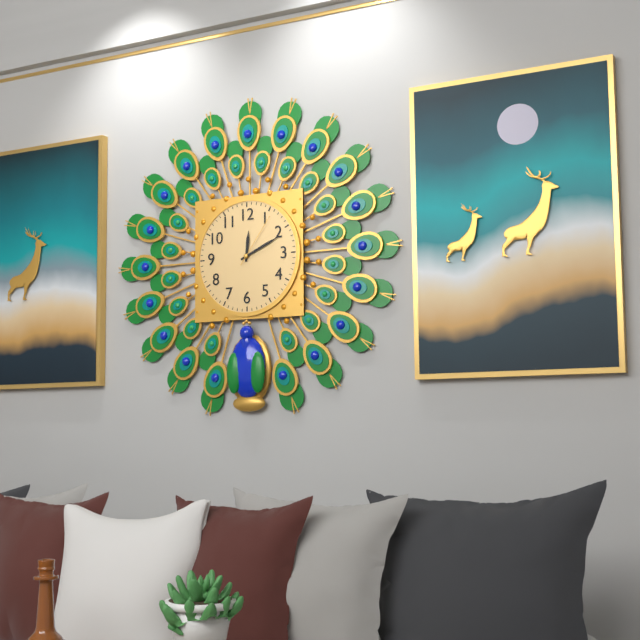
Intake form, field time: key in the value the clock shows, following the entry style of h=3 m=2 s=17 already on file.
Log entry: h=12 m=11 s=6
